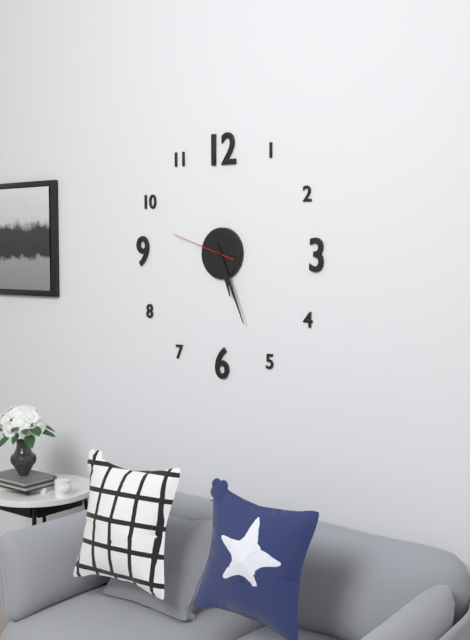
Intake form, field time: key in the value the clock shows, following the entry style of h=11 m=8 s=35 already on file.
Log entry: h=5 m=26 s=48
